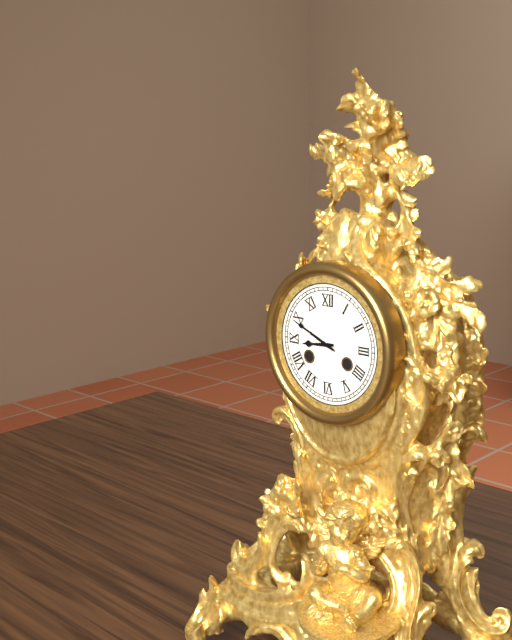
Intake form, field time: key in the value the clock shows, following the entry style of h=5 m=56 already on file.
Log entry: h=8 m=49
